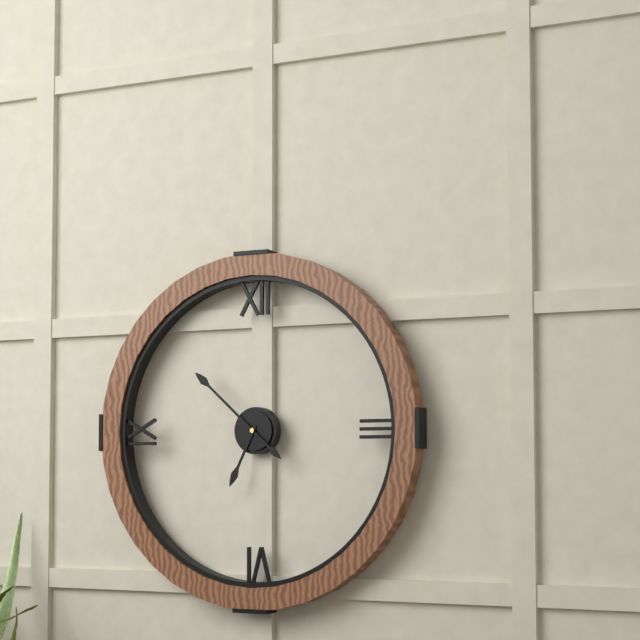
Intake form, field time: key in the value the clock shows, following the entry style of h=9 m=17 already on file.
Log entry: h=6 m=52
